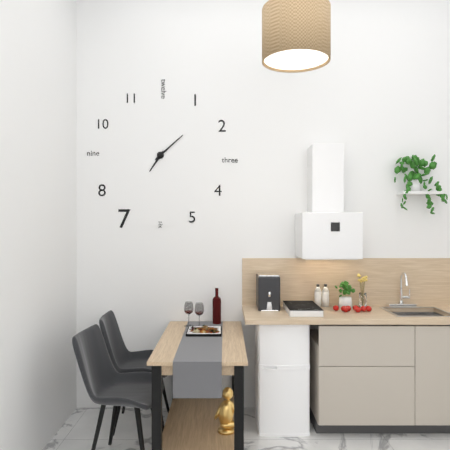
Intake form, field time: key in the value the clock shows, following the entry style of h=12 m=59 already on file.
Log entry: h=7 m=8
